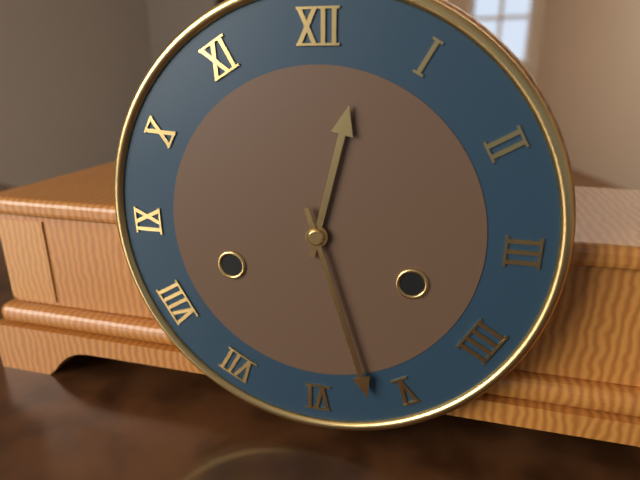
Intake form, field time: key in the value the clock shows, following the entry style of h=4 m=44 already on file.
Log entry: h=12 m=27
